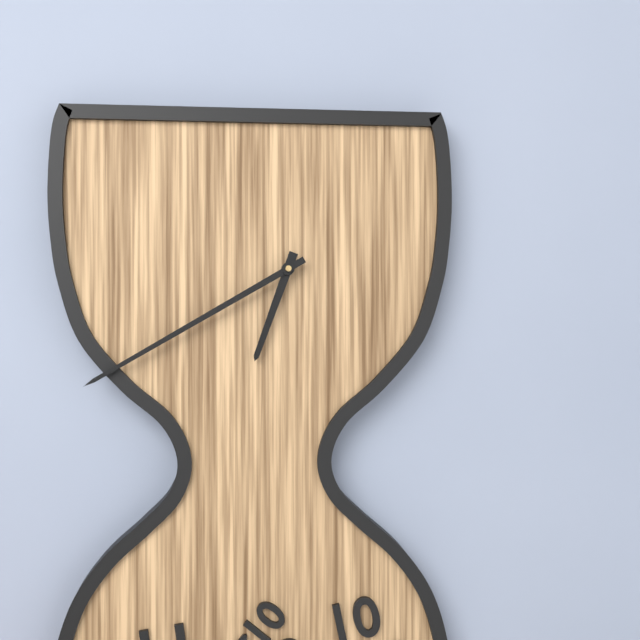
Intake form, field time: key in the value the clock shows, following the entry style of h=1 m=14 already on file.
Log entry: h=6 m=40
